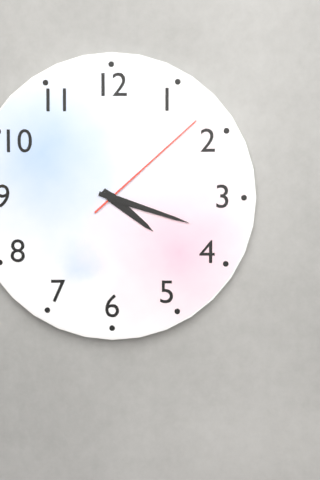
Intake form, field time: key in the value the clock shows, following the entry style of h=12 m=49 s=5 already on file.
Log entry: h=4 m=18 s=8
